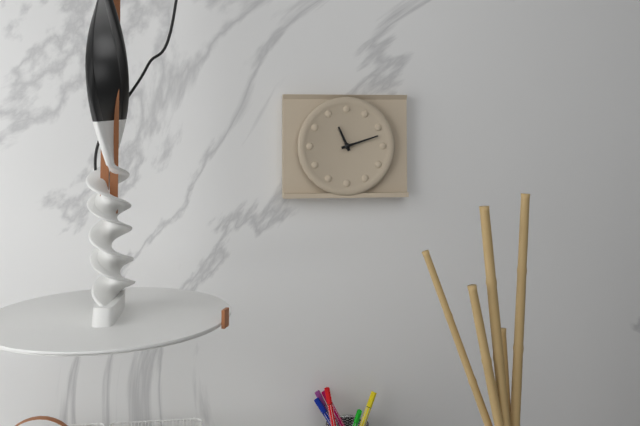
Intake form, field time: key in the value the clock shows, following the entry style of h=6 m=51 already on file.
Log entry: h=11 m=12
